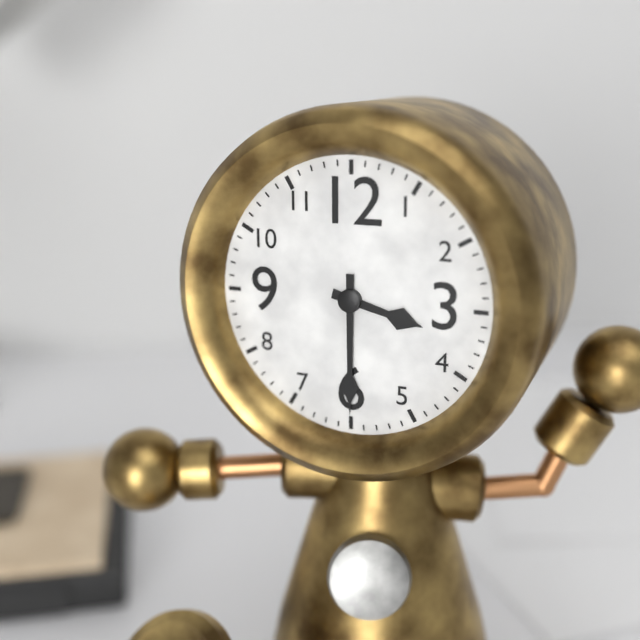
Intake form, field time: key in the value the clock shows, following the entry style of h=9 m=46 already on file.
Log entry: h=3 m=30
